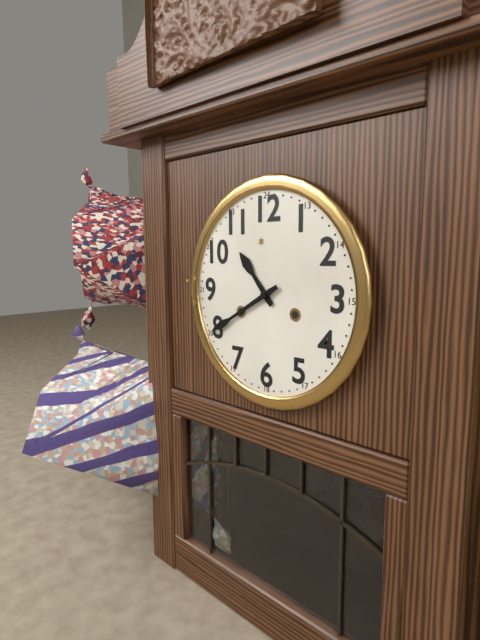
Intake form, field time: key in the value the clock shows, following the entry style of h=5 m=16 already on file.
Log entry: h=10 m=40
